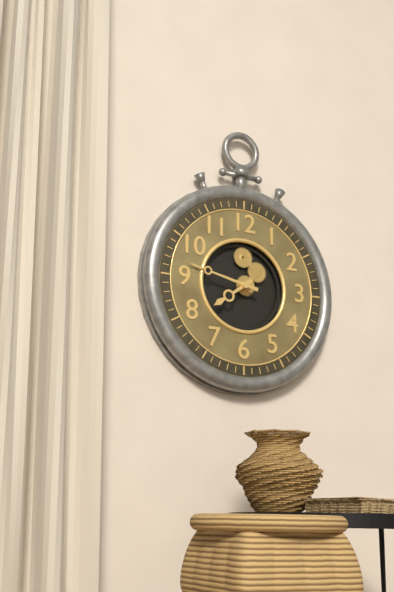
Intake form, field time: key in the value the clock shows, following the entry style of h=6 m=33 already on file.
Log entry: h=7 m=47
